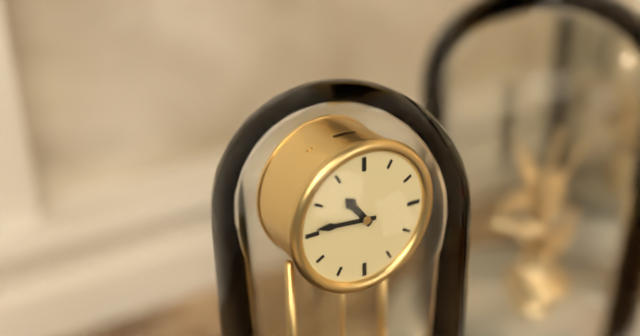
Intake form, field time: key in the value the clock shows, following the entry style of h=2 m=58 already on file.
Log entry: h=10 m=46
